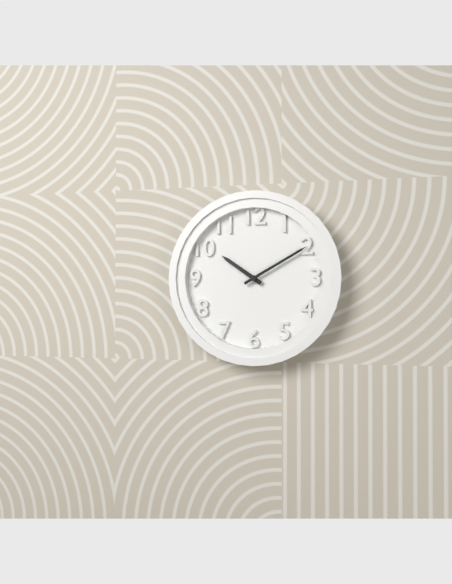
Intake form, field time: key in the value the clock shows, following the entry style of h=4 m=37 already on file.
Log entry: h=10 m=10
